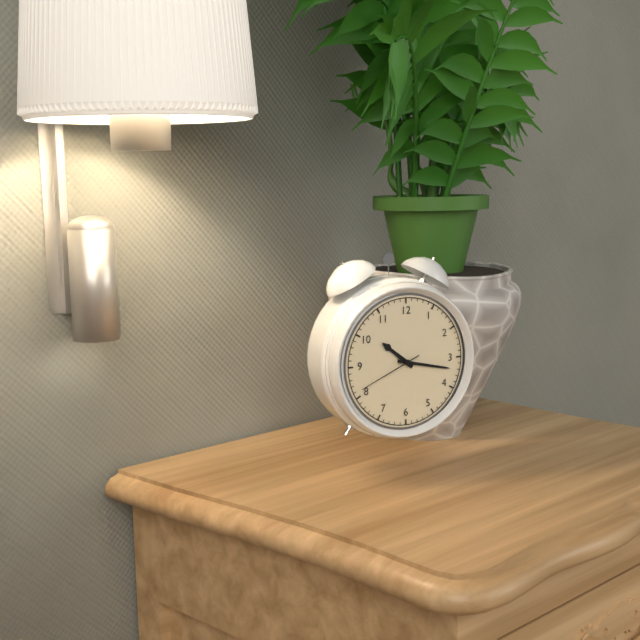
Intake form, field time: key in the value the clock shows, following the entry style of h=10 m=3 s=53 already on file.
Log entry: h=10 m=17 s=41
